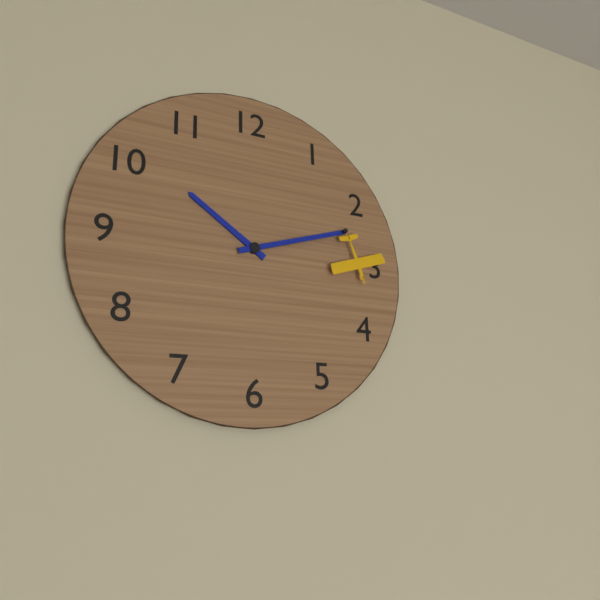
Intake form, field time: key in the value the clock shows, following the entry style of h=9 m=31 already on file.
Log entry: h=10 m=12
